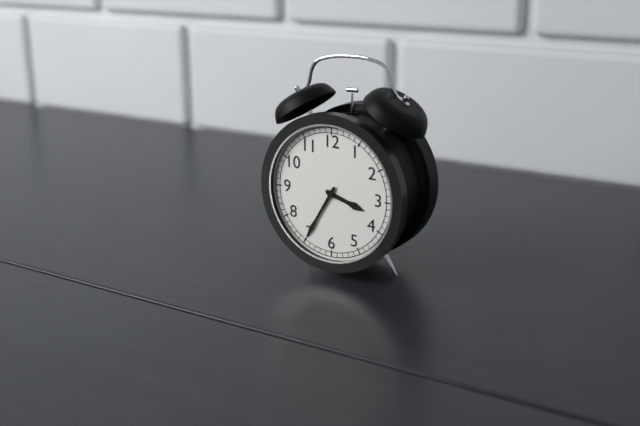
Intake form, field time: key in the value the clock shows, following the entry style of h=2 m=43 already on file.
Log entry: h=3 m=35
